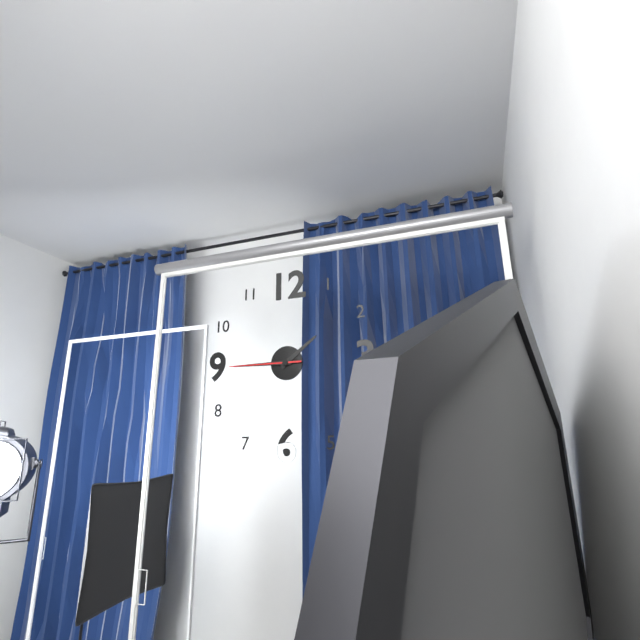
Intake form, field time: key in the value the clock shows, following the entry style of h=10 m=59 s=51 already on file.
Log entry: h=1 m=45 s=45
